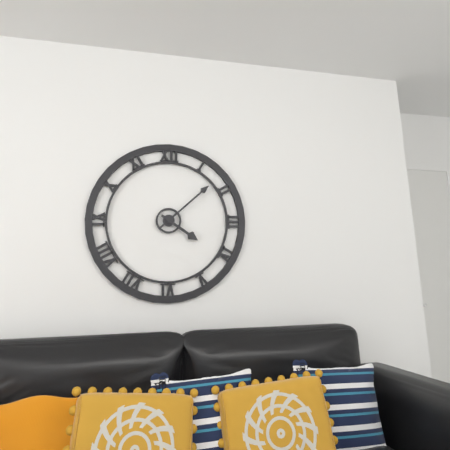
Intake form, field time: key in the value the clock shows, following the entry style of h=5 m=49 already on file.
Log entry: h=4 m=8
